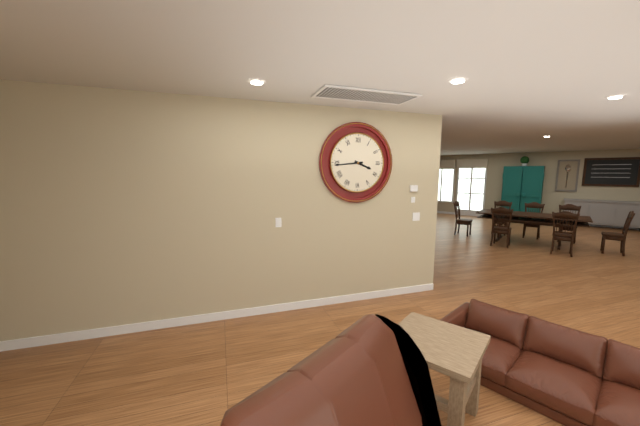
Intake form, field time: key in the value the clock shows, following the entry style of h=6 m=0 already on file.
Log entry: h=3 m=44
